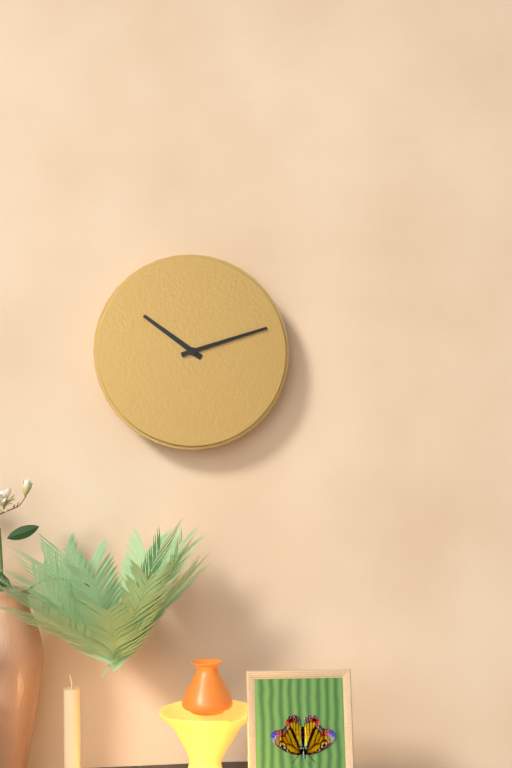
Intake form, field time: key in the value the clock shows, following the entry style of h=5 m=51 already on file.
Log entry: h=10 m=12
